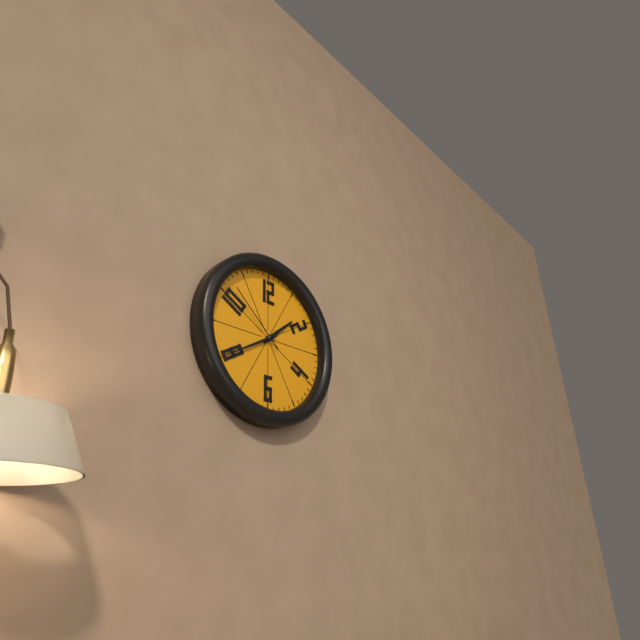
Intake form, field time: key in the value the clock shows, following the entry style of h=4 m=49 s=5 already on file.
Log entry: h=1 m=40 s=52
